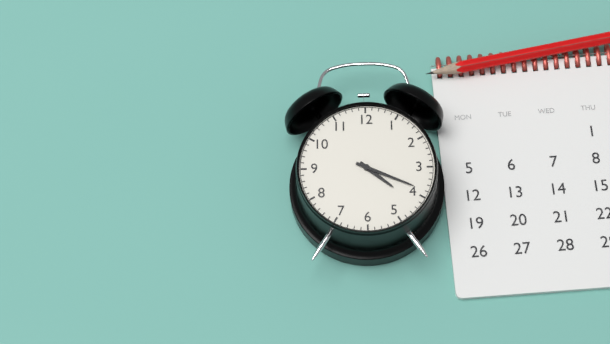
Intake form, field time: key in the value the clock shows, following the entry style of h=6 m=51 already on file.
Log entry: h=4 m=19
